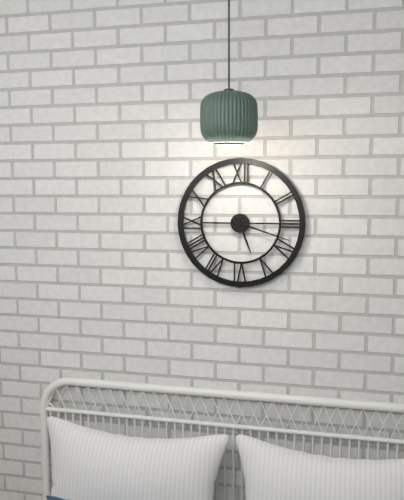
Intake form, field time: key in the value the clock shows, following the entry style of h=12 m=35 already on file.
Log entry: h=5 m=18
